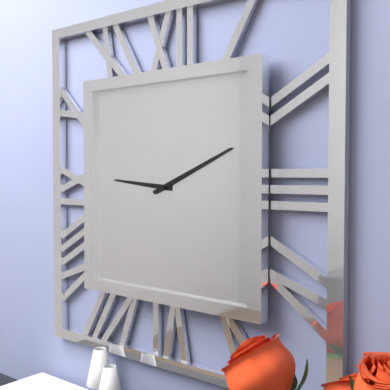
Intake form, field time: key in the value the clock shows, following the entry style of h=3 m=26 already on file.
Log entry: h=9 m=11
